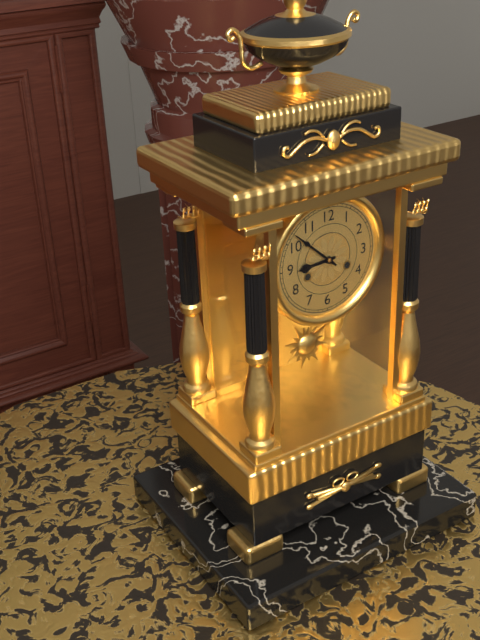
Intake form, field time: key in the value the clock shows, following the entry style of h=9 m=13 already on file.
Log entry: h=8 m=52
